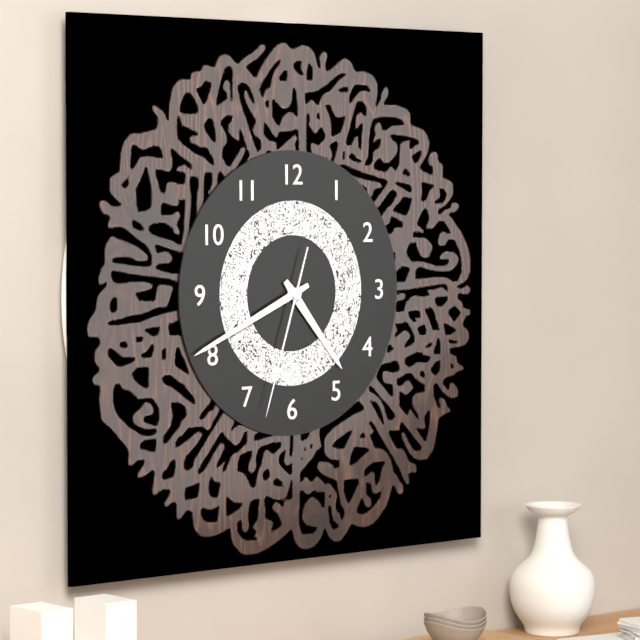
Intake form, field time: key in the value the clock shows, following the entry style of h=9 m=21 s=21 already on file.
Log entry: h=4 m=41 s=33
